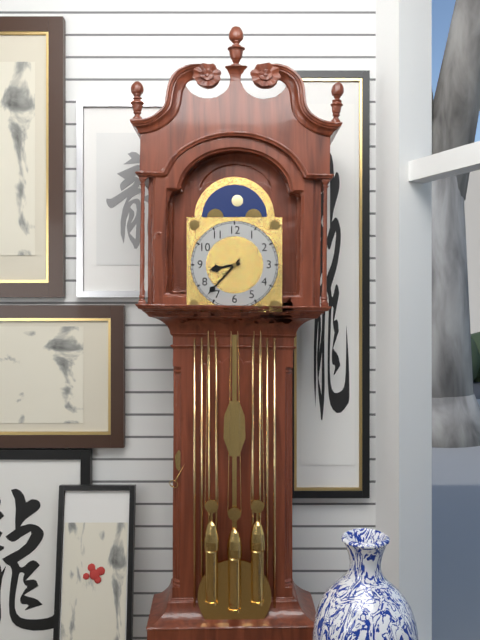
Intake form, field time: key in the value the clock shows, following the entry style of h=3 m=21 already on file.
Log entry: h=8 m=37
